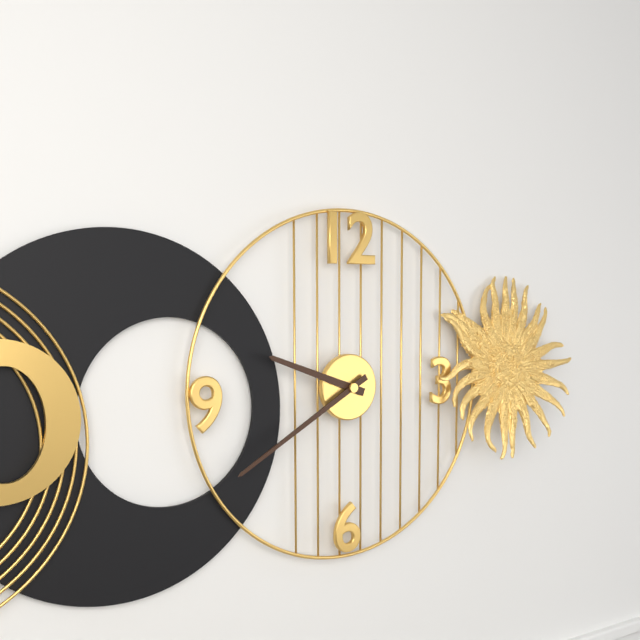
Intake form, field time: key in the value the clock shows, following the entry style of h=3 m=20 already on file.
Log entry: h=9 m=40
